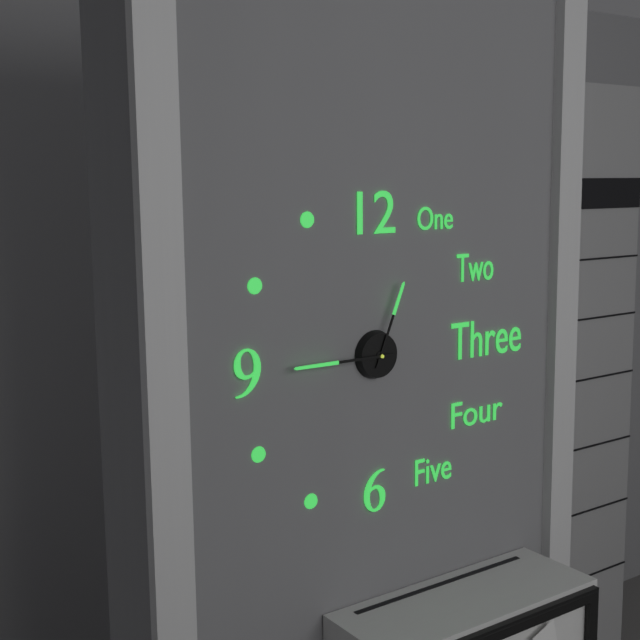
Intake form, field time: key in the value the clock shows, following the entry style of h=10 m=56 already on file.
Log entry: h=12 m=45
